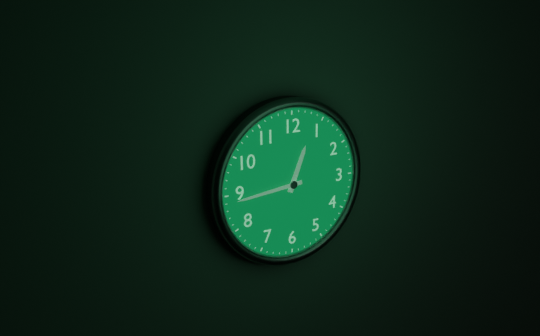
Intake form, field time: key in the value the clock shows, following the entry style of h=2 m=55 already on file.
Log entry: h=12 m=44
